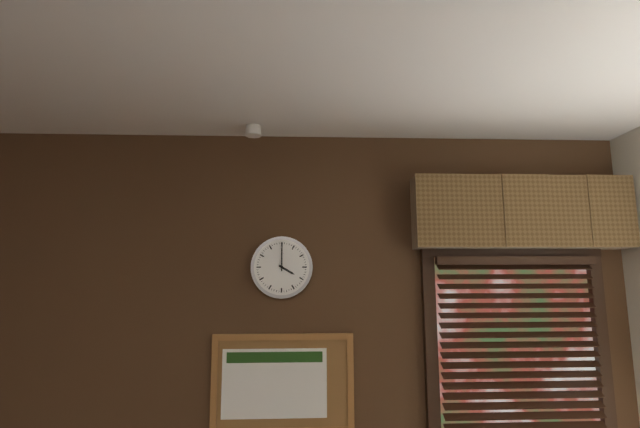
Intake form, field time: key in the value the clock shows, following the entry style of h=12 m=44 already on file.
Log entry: h=4 m=0
